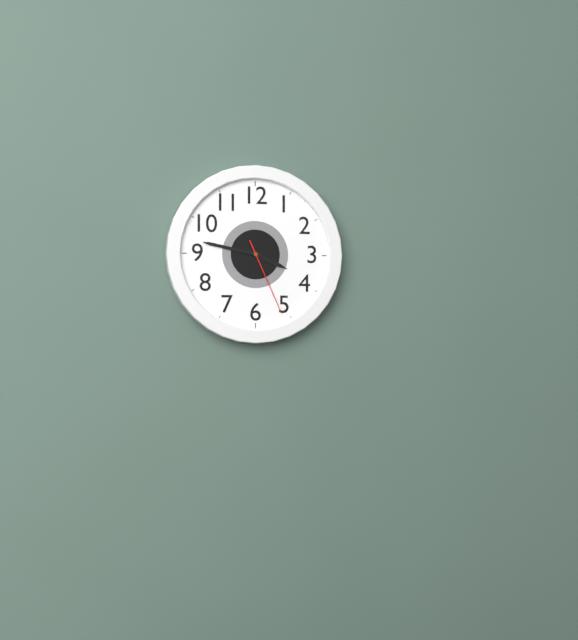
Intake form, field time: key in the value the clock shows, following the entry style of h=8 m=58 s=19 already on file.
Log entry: h=3 m=47 s=26
